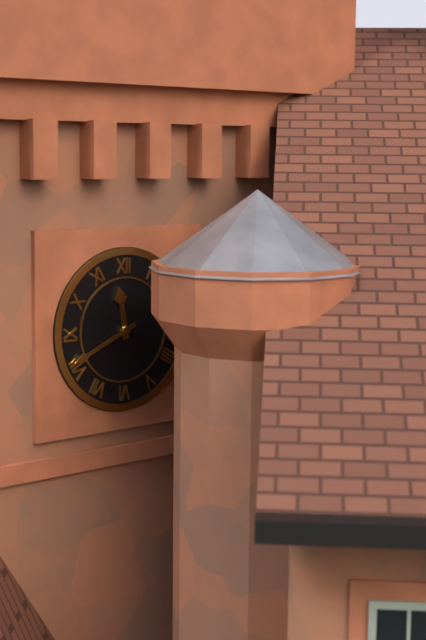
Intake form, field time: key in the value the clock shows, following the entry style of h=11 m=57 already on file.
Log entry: h=11 m=41
